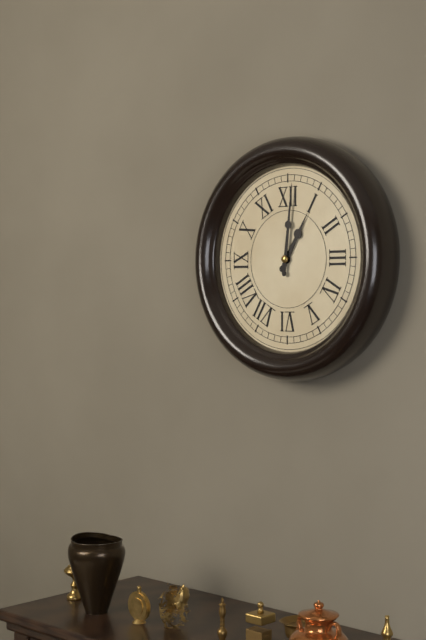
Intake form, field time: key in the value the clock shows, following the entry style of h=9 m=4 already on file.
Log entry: h=1 m=1
